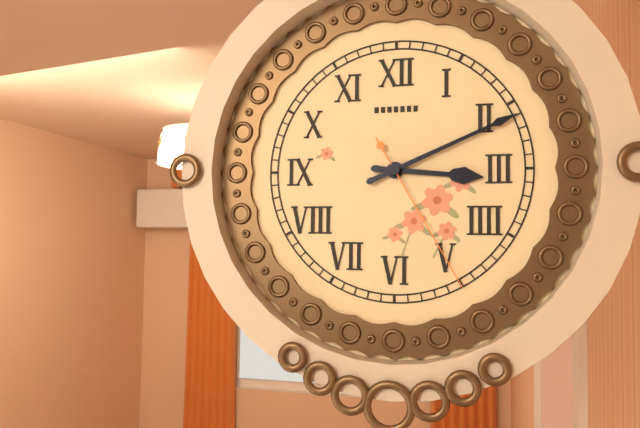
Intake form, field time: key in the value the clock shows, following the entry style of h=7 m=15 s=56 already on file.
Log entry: h=3 m=11 s=25
